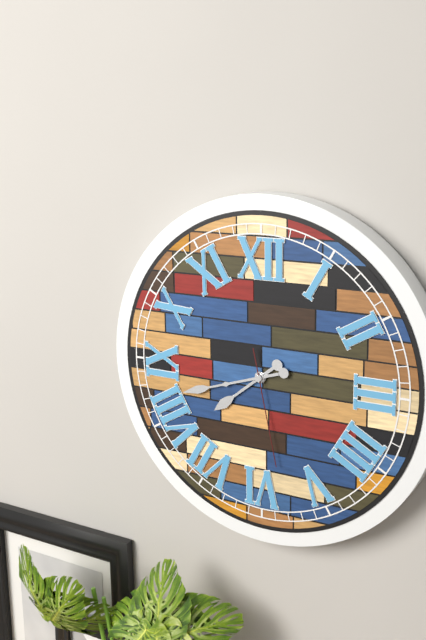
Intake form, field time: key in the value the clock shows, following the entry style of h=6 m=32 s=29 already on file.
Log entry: h=7 m=42 s=28
